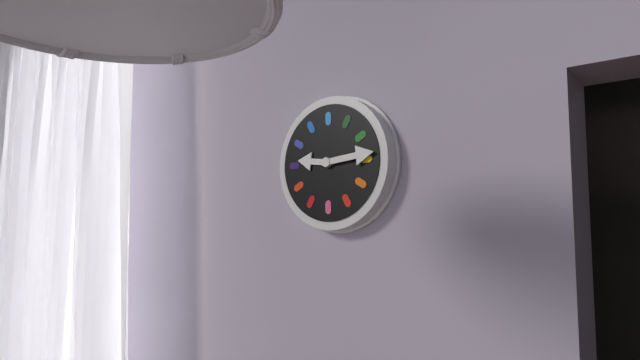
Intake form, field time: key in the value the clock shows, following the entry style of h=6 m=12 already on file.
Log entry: h=9 m=14
